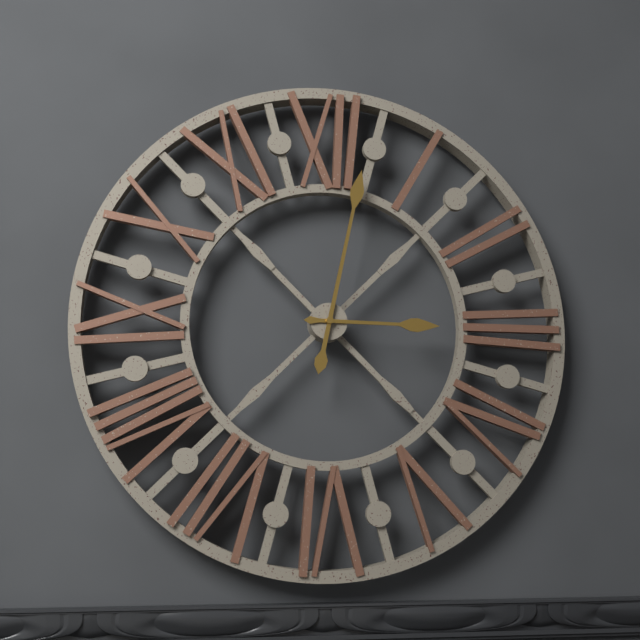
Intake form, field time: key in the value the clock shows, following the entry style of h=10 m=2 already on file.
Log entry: h=3 m=2
